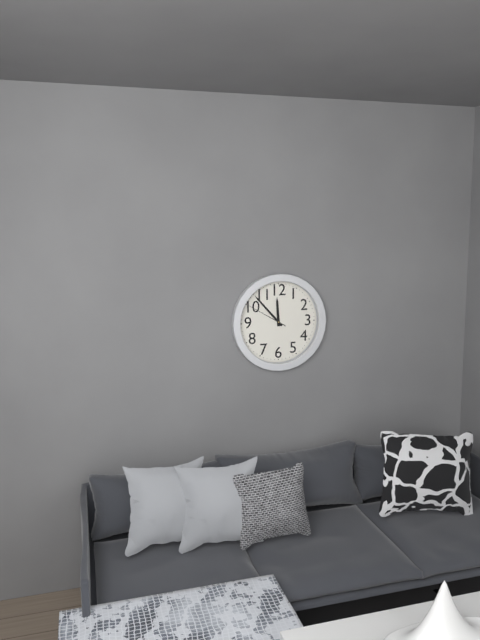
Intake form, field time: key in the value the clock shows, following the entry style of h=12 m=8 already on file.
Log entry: h=11 m=53
